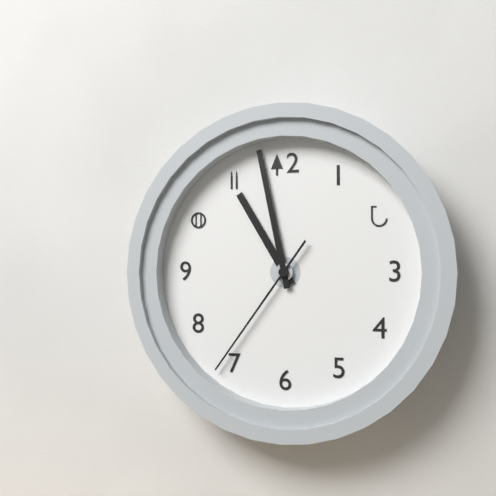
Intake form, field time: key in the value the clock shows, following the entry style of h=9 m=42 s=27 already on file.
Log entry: h=10 m=58 s=36
